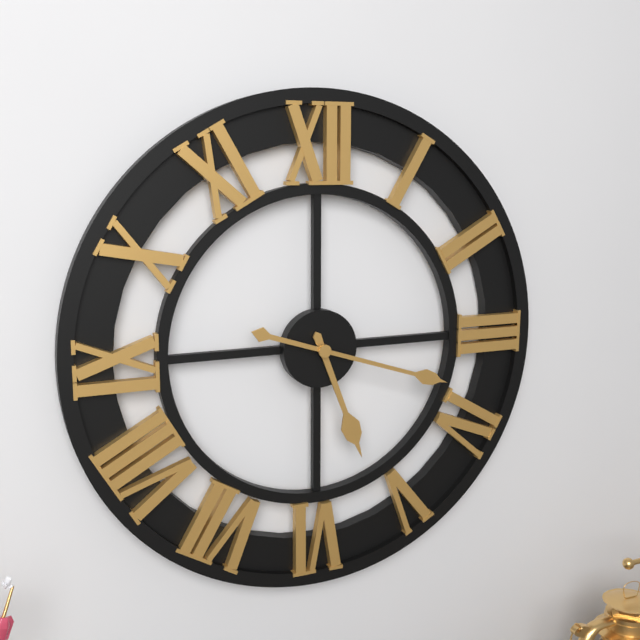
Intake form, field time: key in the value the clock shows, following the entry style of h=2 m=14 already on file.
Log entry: h=5 m=18
